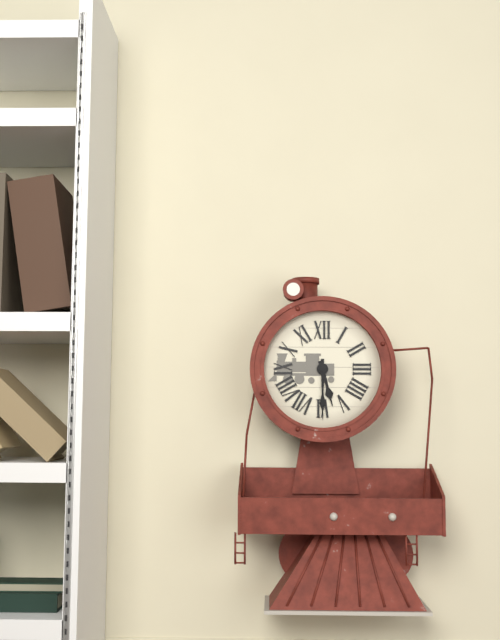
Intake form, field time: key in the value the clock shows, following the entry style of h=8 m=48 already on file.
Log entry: h=5 m=30
